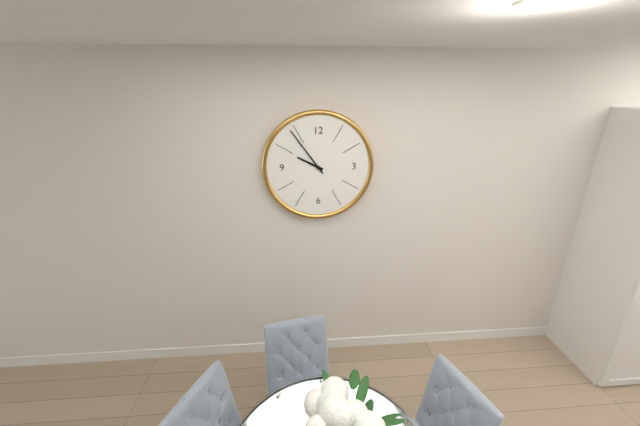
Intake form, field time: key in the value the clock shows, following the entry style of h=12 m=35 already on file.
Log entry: h=9 m=54
